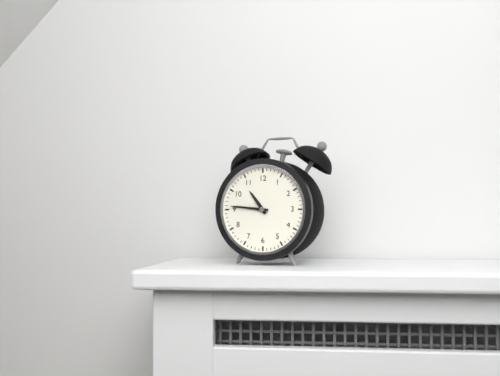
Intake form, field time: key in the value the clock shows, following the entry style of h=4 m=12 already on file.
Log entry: h=10 m=46
